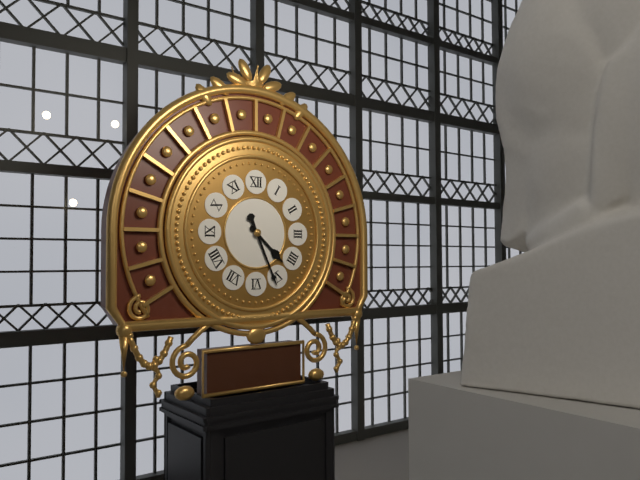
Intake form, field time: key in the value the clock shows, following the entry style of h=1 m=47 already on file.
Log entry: h=4 m=26
